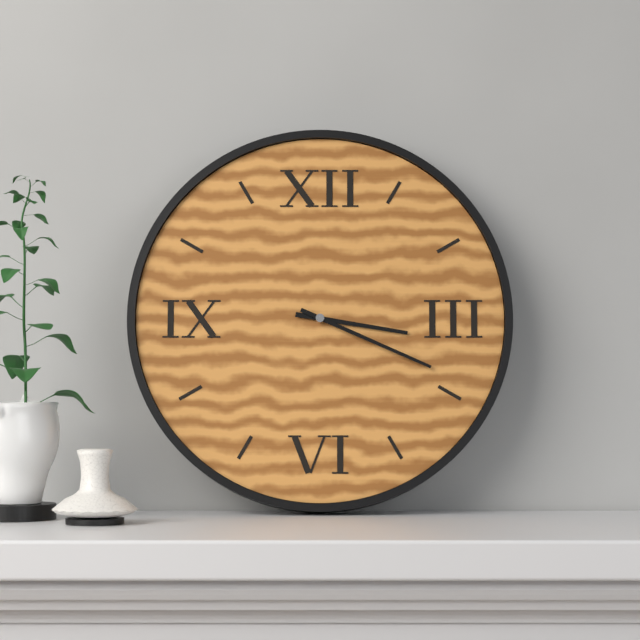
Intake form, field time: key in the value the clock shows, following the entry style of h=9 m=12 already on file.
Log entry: h=3 m=19
